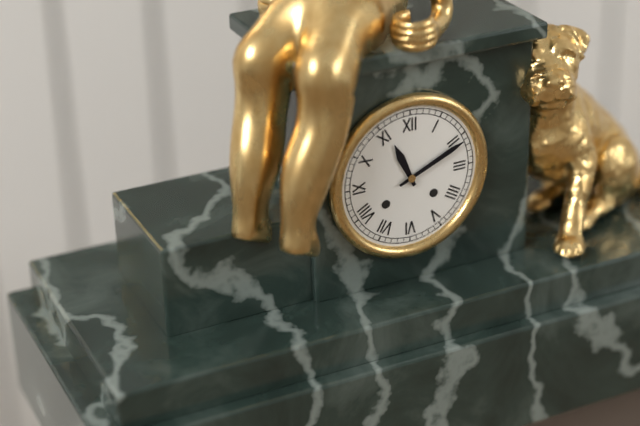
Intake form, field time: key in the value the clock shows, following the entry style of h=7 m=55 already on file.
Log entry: h=11 m=11
